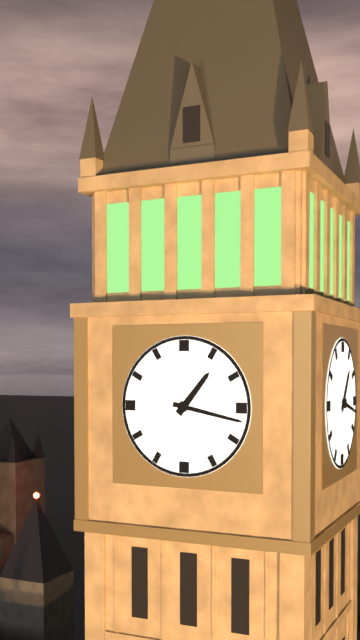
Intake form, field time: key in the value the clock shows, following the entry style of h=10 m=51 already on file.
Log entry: h=1 m=17
